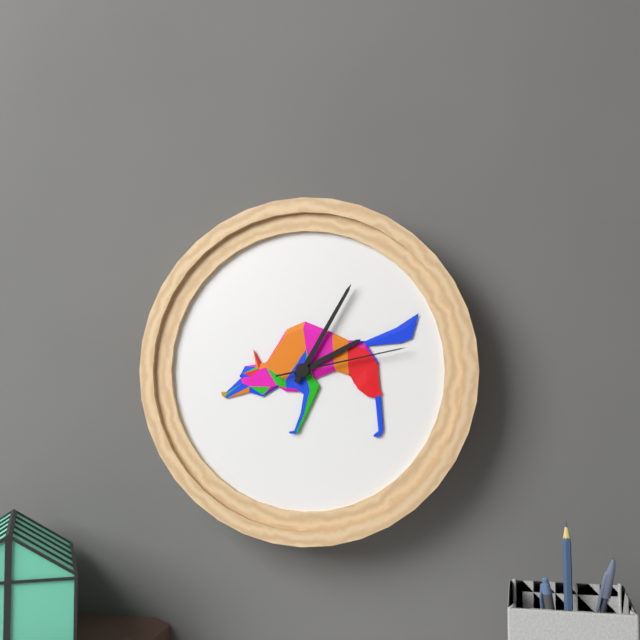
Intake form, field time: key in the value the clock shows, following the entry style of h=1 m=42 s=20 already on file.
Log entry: h=2 m=5 s=13
